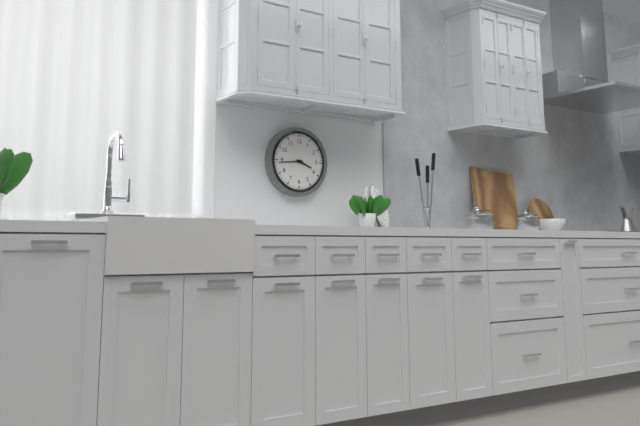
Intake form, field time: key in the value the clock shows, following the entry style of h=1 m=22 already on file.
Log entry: h=3 m=44
